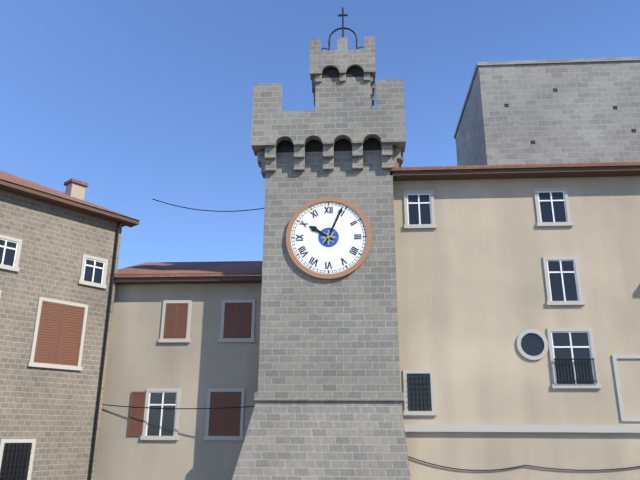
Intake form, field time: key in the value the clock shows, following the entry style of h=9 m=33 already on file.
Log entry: h=10 m=4
